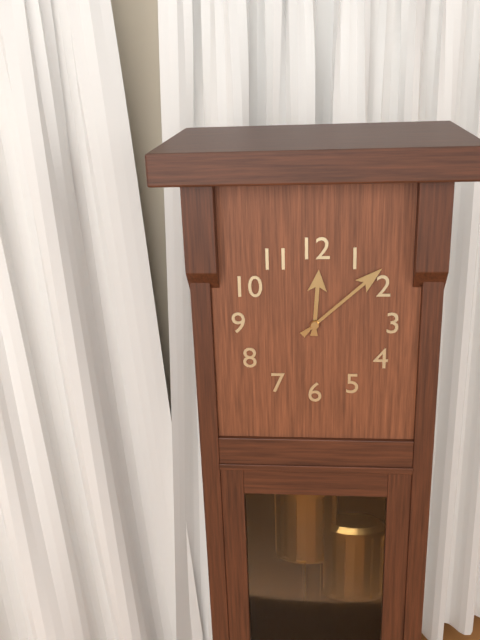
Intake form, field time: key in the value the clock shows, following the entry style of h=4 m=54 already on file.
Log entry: h=12 m=8
